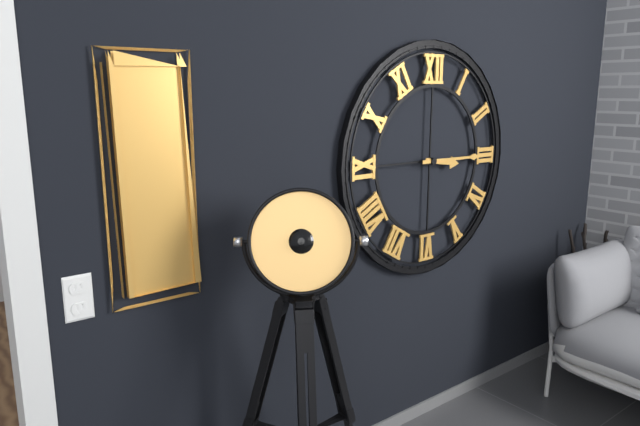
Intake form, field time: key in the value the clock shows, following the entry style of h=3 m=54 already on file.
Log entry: h=3 m=15
